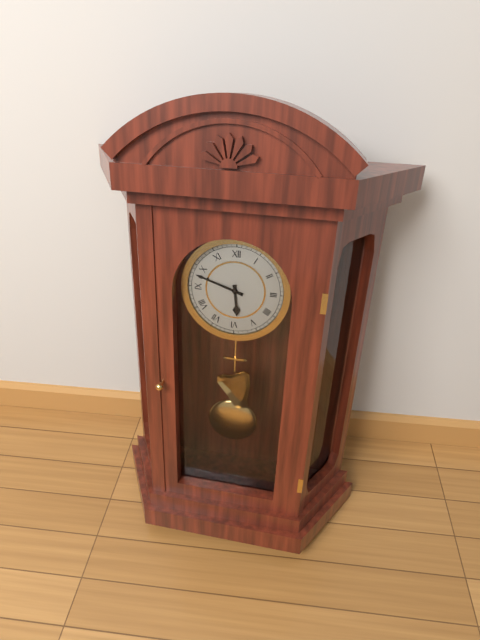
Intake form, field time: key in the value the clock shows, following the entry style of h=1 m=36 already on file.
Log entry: h=5 m=48
